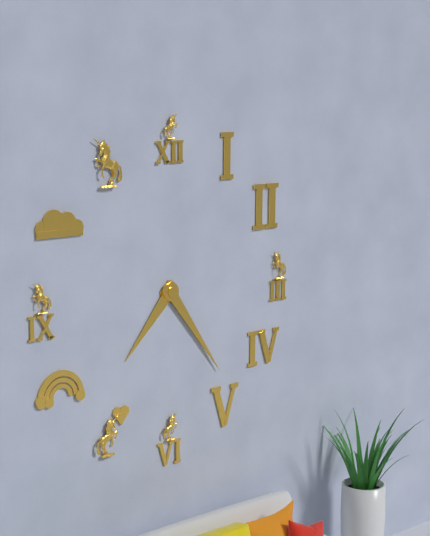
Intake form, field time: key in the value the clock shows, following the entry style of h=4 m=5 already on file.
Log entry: h=7 m=24
